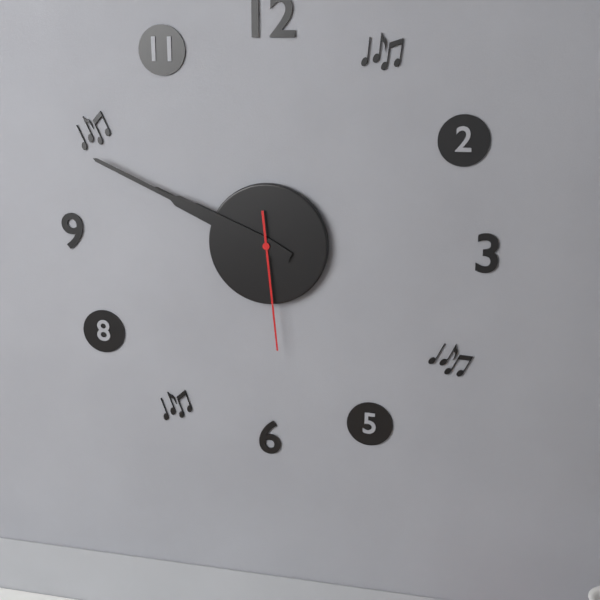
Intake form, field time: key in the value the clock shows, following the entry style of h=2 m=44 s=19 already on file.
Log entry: h=9 m=49 s=29
